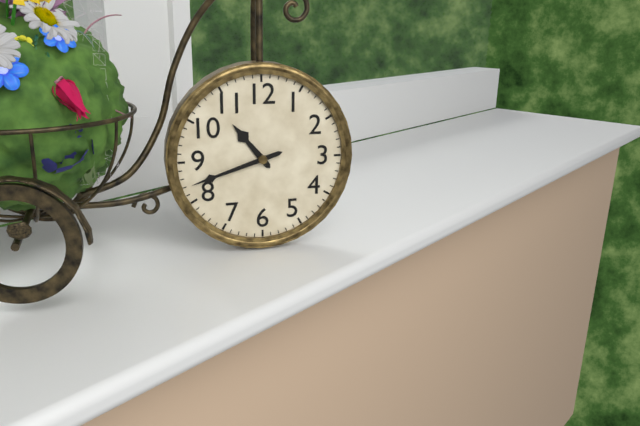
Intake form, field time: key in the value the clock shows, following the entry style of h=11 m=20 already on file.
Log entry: h=10 m=42
